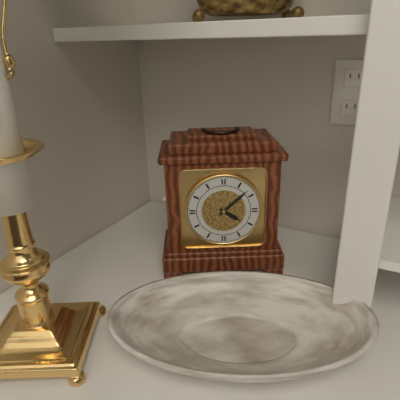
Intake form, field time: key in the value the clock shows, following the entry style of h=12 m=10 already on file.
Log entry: h=4 m=8
